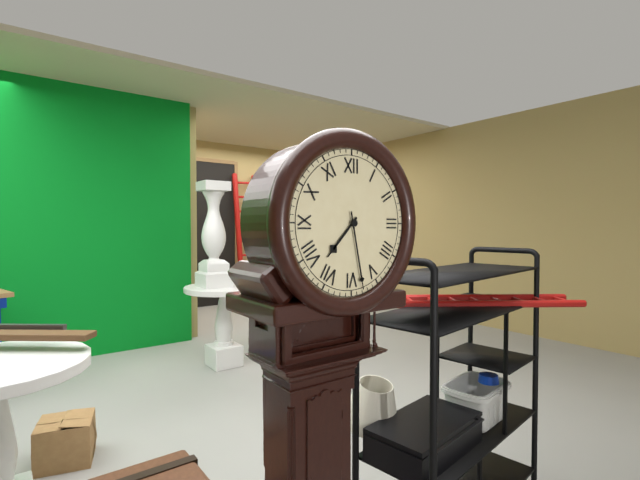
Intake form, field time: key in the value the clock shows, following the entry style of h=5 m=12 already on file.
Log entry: h=7 m=28
